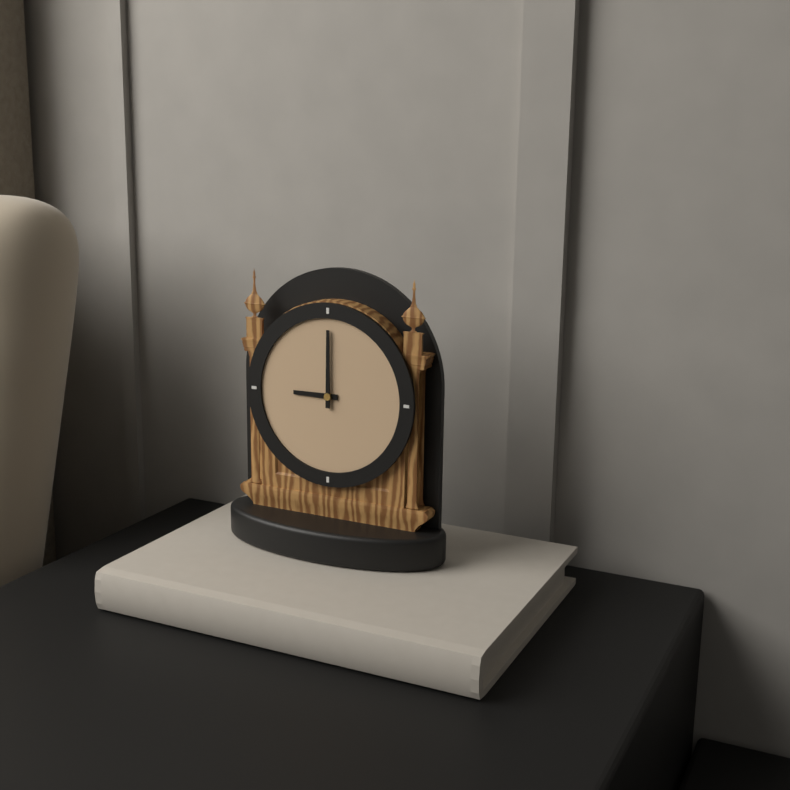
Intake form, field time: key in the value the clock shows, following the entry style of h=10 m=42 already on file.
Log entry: h=9 m=0
